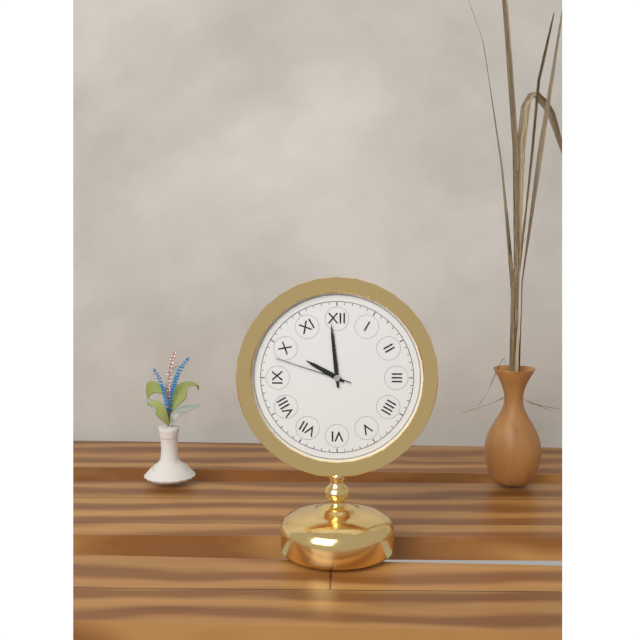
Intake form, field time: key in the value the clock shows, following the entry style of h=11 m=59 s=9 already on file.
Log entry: h=9 m=59 s=48
